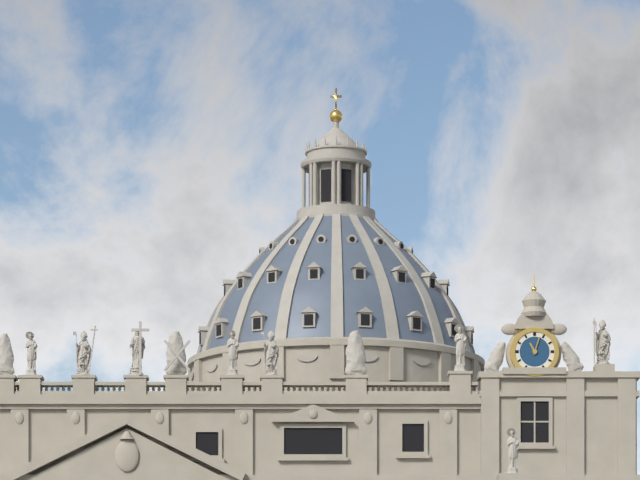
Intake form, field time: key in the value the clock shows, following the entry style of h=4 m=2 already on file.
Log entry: h=11 m=3
